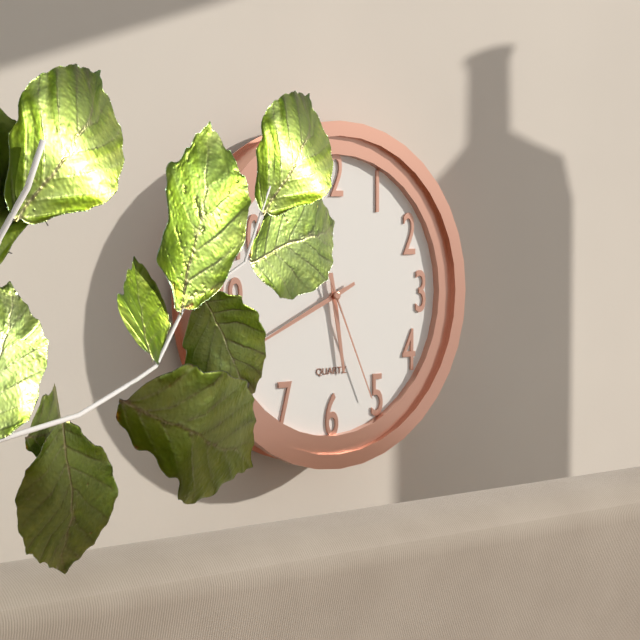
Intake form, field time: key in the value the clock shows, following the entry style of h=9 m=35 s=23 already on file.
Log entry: h=5 m=41 s=26
